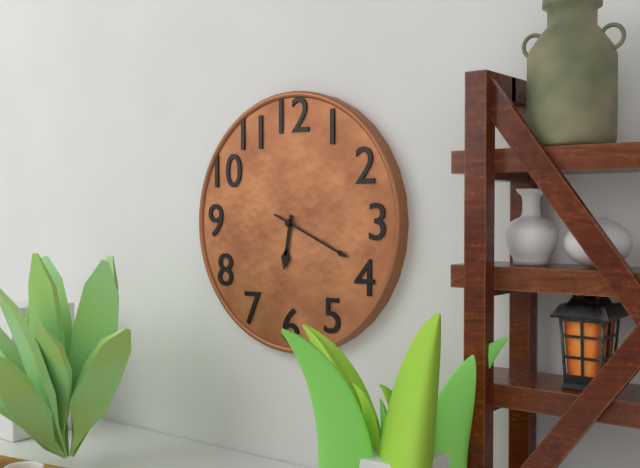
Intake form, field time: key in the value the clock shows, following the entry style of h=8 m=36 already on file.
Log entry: h=6 m=19
